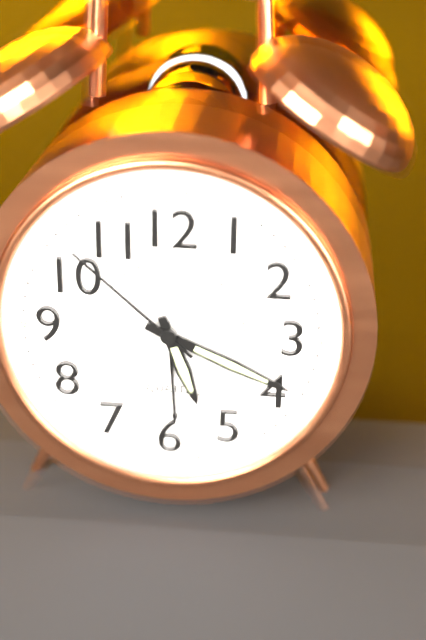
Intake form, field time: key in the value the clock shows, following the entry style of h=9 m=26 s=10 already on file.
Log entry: h=5 m=19 s=52
